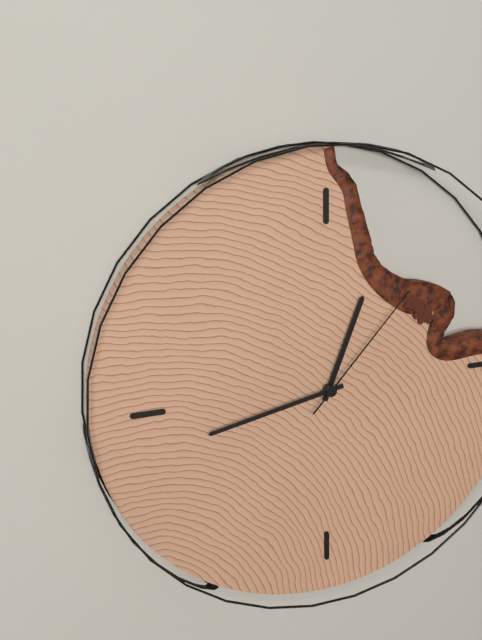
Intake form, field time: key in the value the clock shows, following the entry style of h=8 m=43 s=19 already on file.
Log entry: h=12 m=43 s=7
